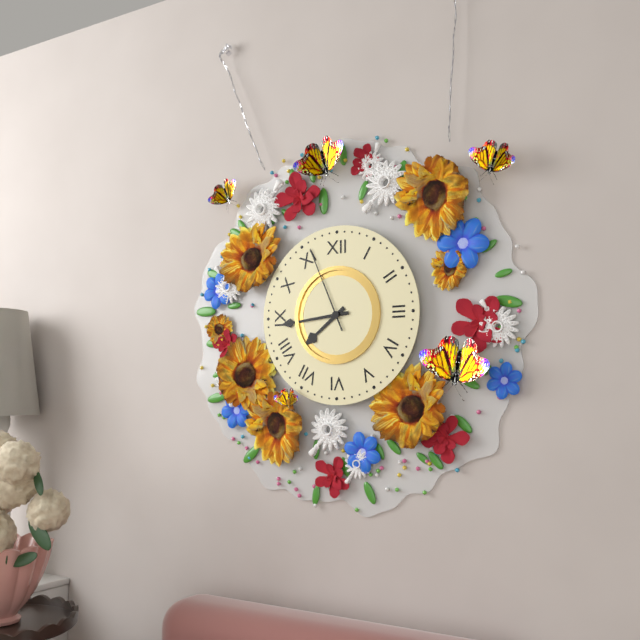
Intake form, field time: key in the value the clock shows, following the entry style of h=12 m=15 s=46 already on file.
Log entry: h=7 m=44 s=56
